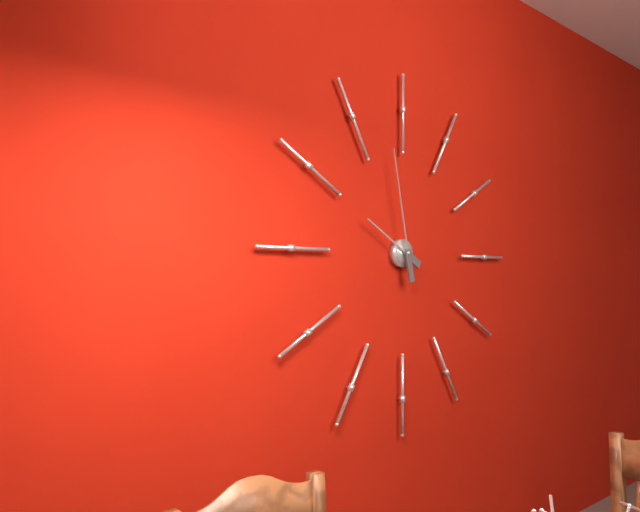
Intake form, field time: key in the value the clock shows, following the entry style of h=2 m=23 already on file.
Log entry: h=9 m=58
